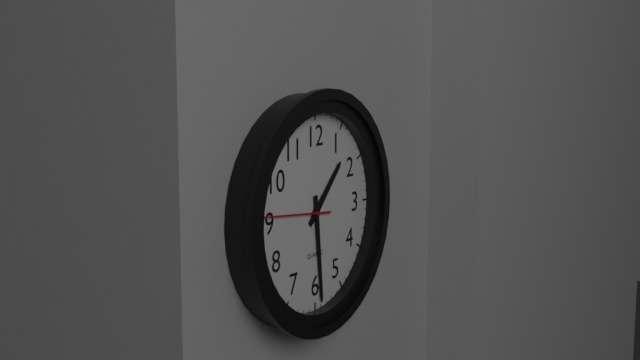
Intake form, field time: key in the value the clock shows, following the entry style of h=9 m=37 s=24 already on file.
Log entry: h=1 m=29 s=46
